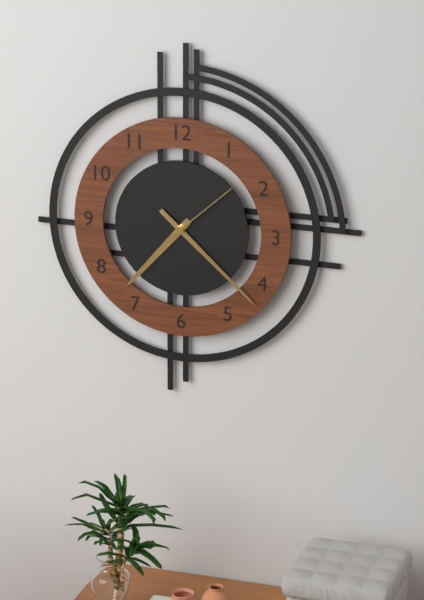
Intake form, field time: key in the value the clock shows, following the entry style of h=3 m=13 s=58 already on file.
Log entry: h=7 m=22 s=8
